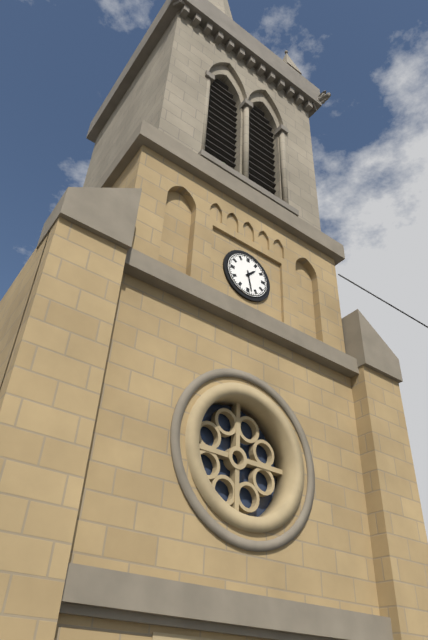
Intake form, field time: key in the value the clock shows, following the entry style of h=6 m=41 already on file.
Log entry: h=1 m=28
